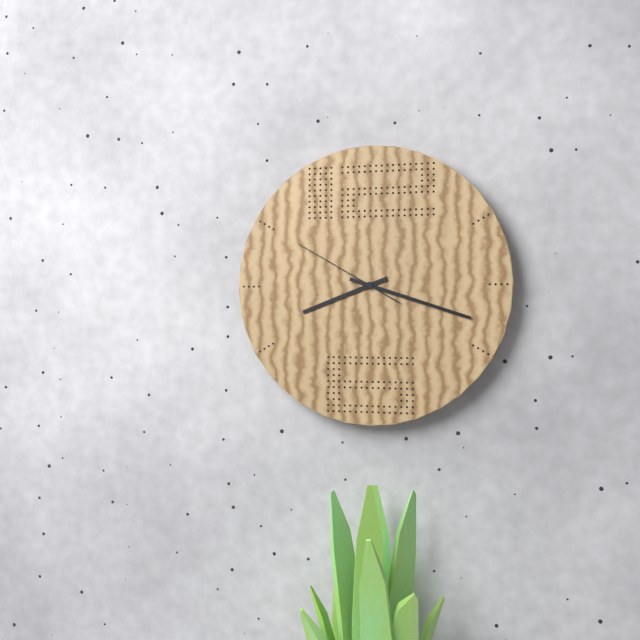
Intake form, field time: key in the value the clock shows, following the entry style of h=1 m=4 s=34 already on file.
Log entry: h=8 m=18 s=50
